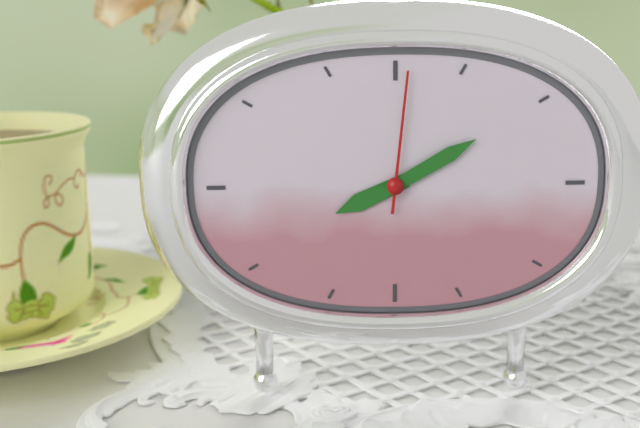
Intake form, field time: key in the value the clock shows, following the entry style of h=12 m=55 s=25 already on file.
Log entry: h=8 m=10 s=1
